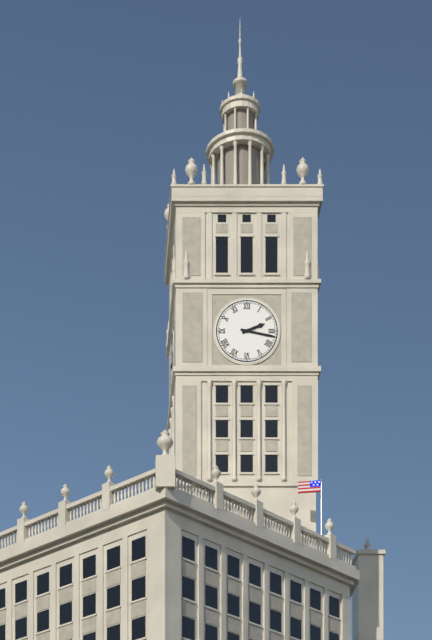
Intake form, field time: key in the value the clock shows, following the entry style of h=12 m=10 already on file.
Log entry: h=2 m=17
